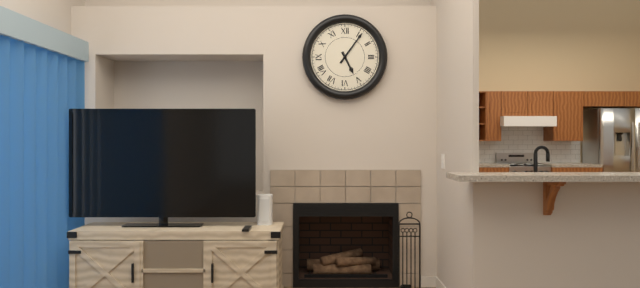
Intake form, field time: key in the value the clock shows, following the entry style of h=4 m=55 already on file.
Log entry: h=5 m=6
